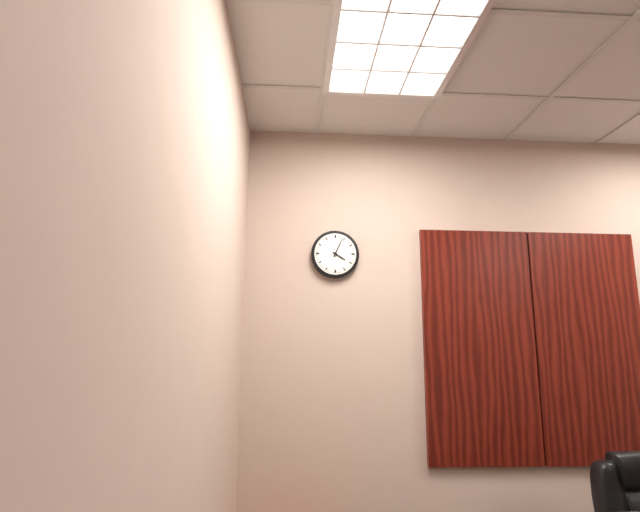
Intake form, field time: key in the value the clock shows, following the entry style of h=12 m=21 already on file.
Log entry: h=4 m=4
